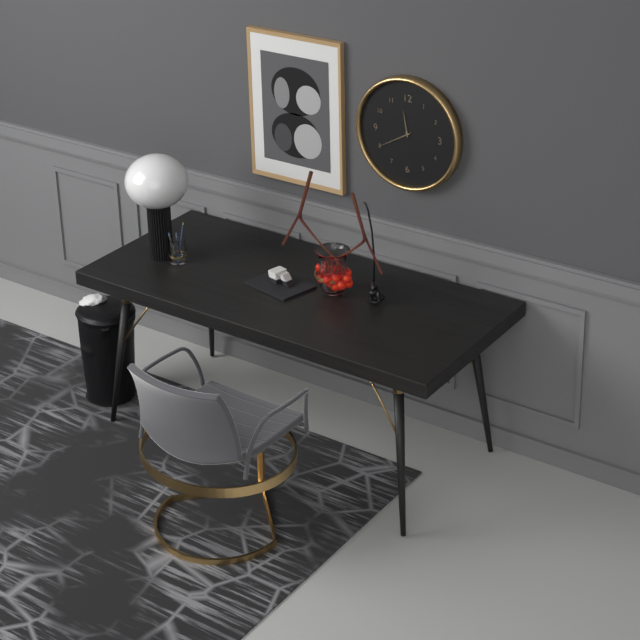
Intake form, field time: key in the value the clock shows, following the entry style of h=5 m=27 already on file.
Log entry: h=11 m=40
